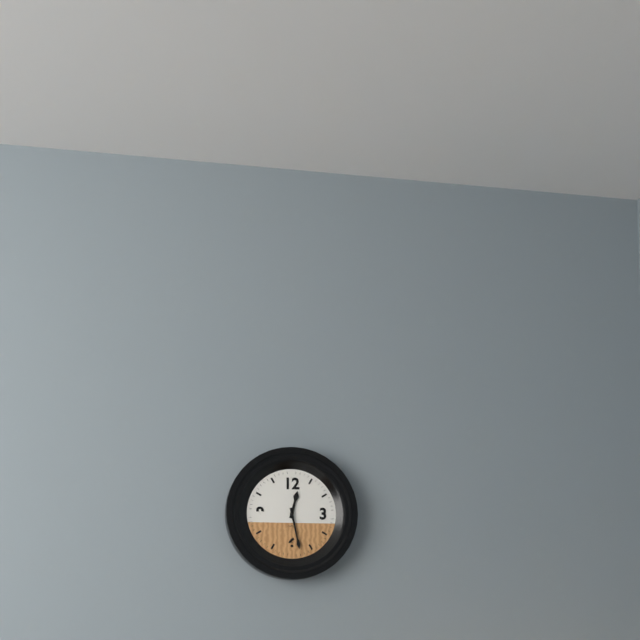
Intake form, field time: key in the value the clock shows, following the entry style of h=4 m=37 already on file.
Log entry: h=12 m=28
